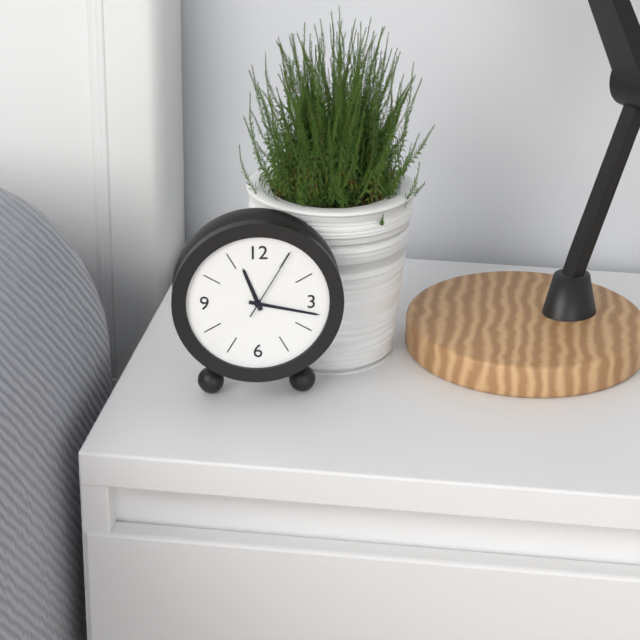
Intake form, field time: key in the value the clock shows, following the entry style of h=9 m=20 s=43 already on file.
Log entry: h=11 m=17 s=5
